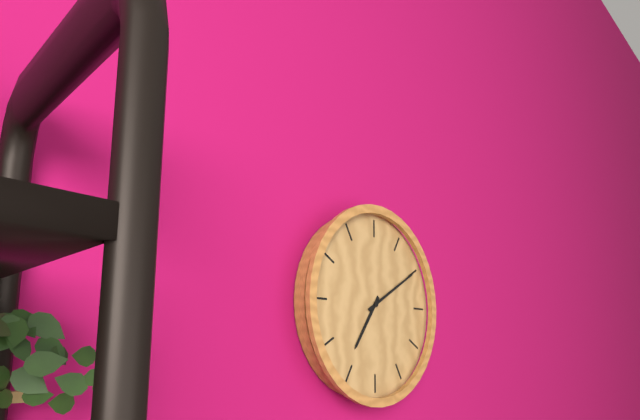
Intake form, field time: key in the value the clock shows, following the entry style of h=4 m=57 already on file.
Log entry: h=7 m=10
